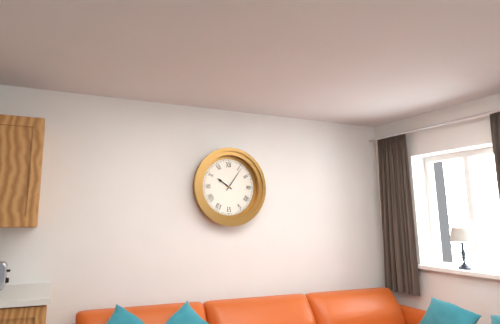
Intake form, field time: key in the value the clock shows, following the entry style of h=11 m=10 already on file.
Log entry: h=10 m=6
